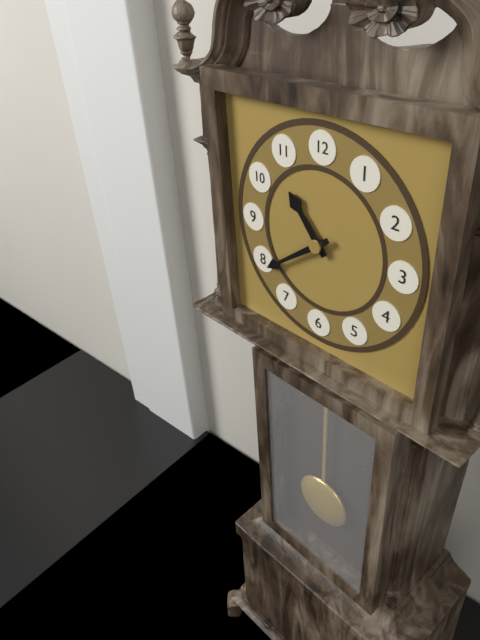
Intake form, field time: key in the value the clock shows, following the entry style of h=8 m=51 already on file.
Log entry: h=10 m=39
